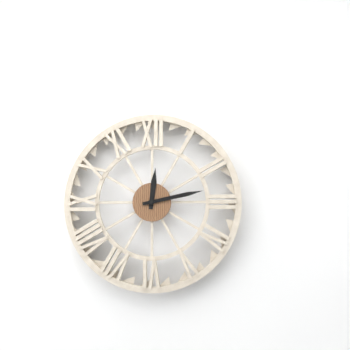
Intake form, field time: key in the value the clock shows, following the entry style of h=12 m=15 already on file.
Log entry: h=12 m=13
